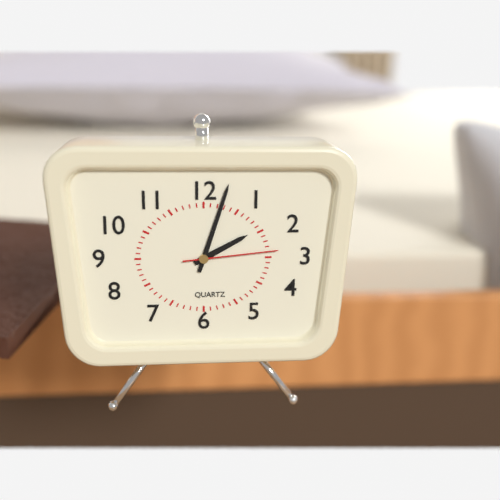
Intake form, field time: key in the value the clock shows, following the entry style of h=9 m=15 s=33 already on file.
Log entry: h=2 m=3 s=14
